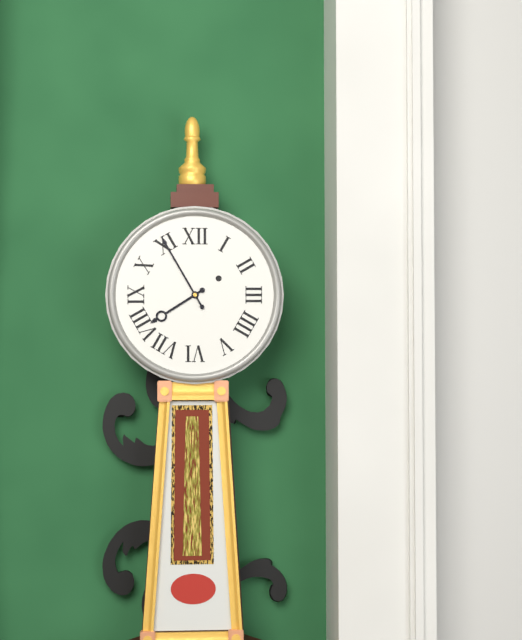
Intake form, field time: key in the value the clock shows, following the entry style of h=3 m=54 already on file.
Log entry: h=7 m=55
